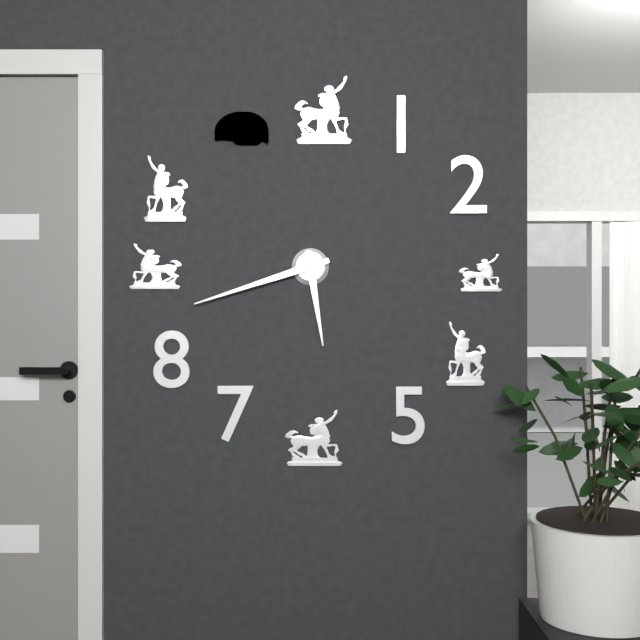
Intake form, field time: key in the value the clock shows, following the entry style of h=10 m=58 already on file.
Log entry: h=5 m=42
